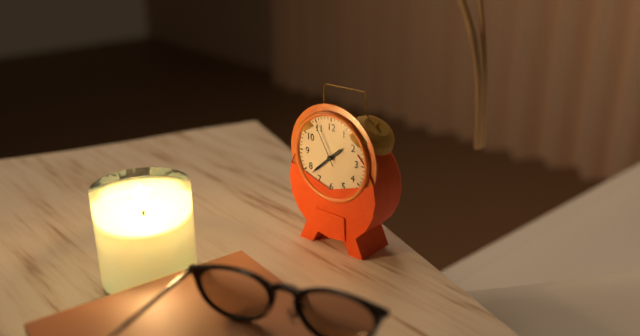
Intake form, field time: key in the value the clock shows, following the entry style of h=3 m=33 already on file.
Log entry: h=1 m=38
